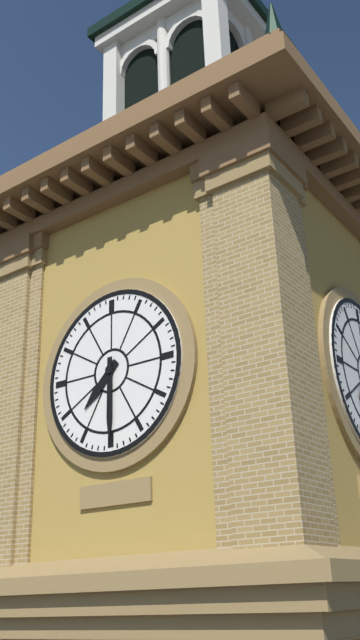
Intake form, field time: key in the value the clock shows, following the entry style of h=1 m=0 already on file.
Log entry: h=7 m=30
